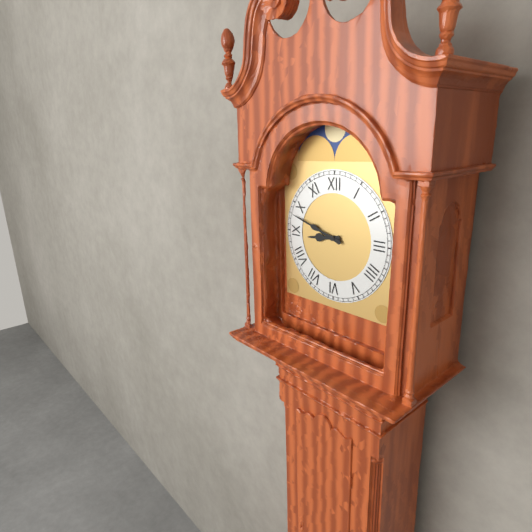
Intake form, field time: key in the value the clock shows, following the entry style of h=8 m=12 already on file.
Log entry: h=8 m=48
